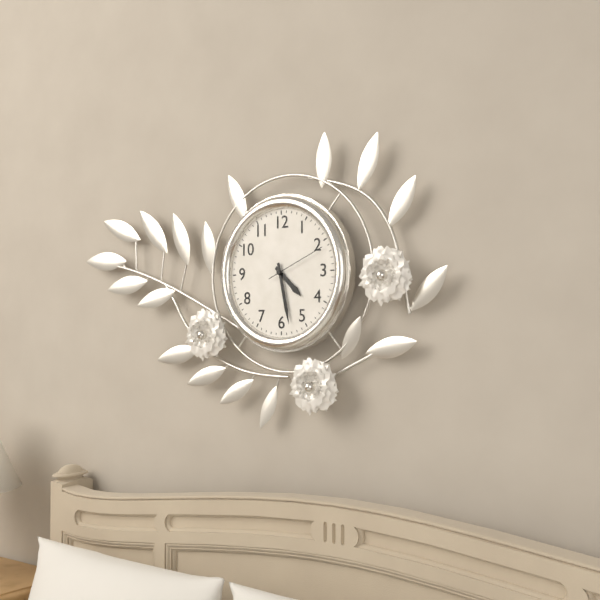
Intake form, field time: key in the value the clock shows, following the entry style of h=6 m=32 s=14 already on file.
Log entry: h=4 m=28 s=11
